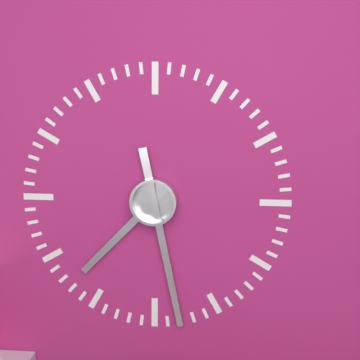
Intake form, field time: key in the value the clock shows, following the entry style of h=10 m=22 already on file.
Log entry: h=7 m=28
